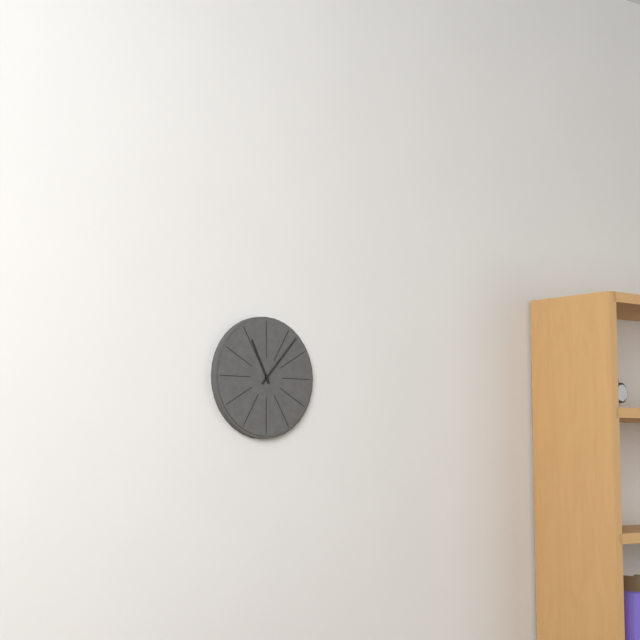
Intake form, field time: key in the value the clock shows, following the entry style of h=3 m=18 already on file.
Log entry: h=11 m=7
